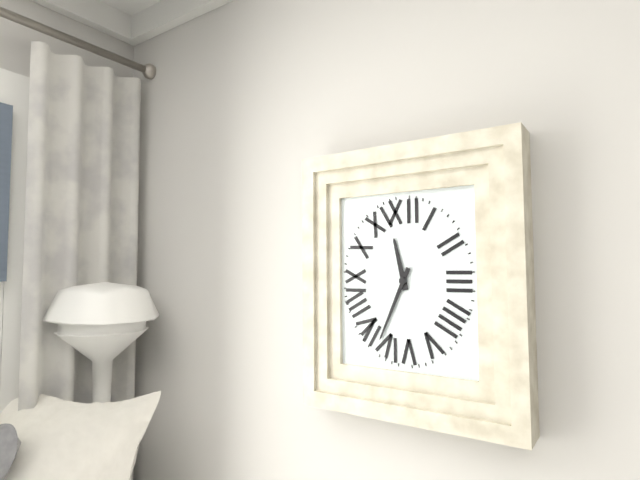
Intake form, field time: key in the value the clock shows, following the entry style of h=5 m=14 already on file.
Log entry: h=11 m=34
